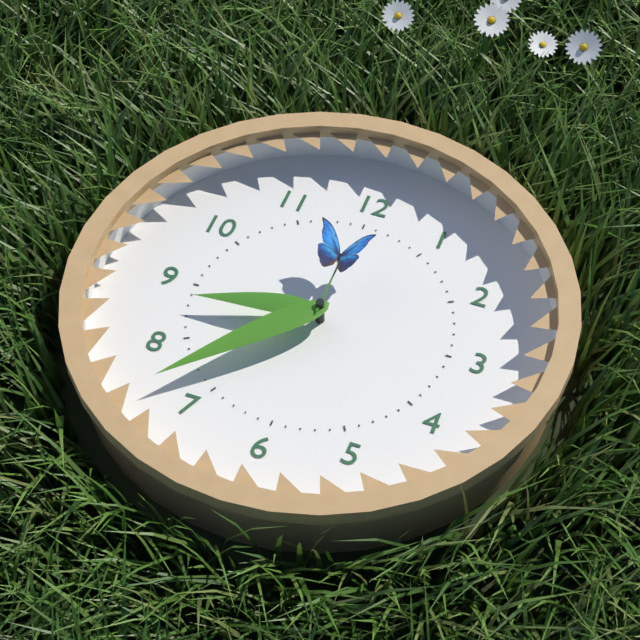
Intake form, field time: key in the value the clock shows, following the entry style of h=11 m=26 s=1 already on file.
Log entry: h=8 m=37 s=0
